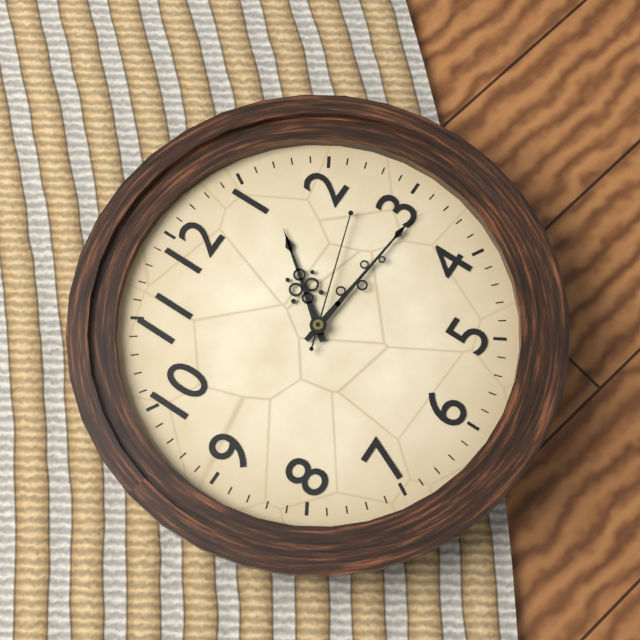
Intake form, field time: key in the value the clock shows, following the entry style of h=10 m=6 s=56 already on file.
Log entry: h=1 m=16 s=12
